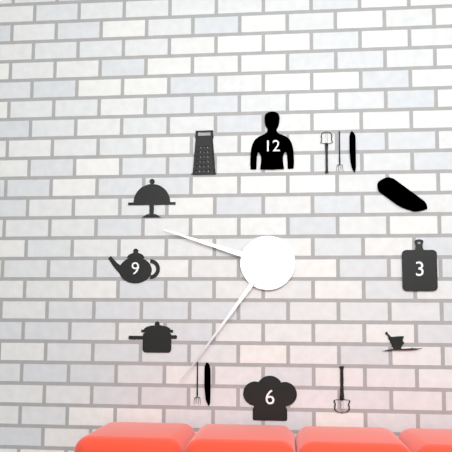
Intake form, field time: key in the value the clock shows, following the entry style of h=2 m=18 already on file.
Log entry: h=9 m=36
